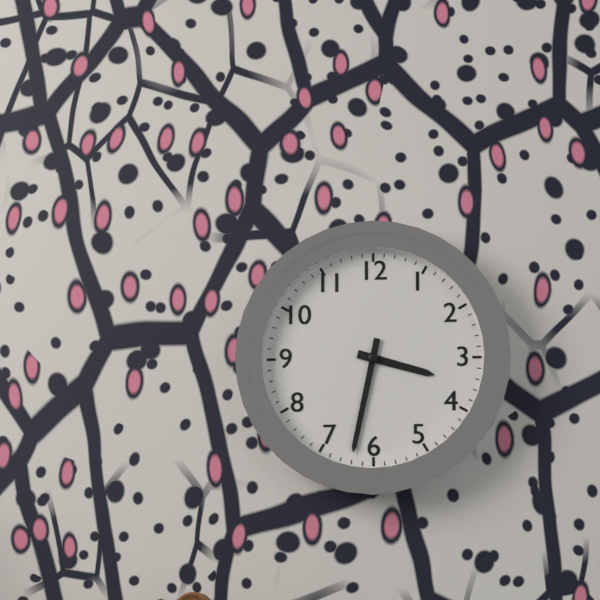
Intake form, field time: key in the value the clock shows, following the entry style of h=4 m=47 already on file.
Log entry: h=3 m=32
